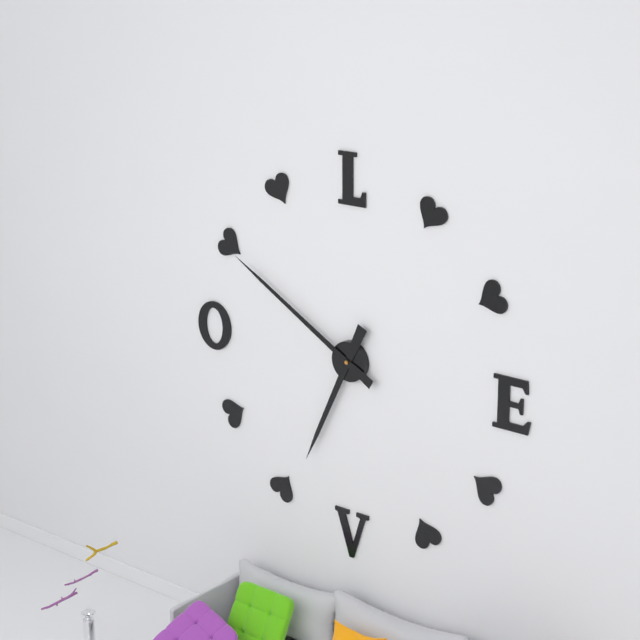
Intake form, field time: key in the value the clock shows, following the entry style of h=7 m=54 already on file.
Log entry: h=6 m=50
